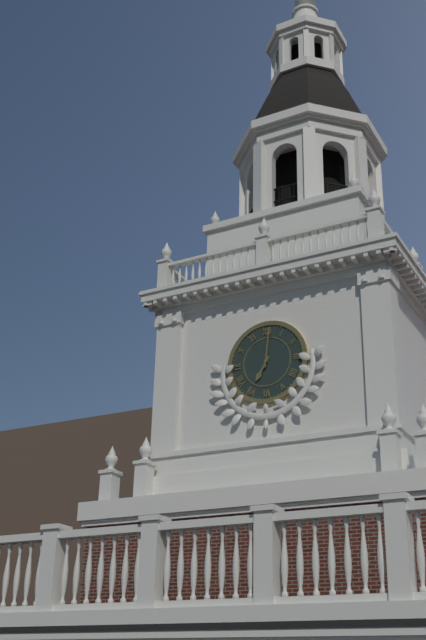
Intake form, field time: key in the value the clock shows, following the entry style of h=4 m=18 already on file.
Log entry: h=7 m=1
